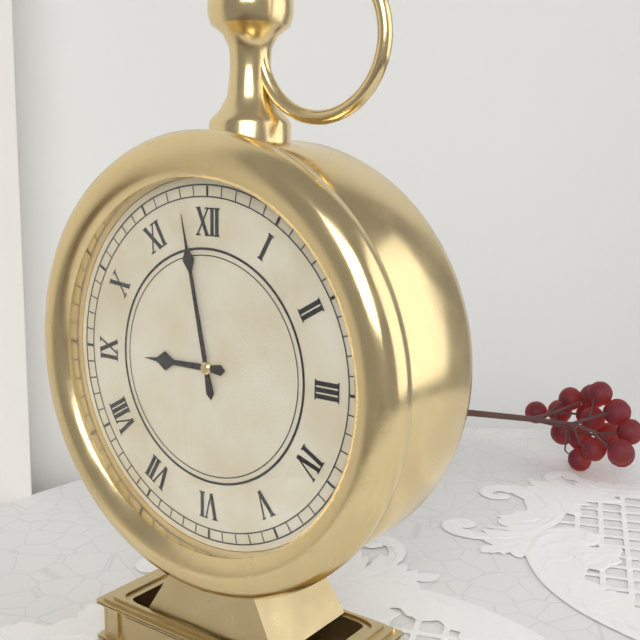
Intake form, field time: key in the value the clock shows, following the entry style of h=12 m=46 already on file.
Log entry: h=8 m=58
